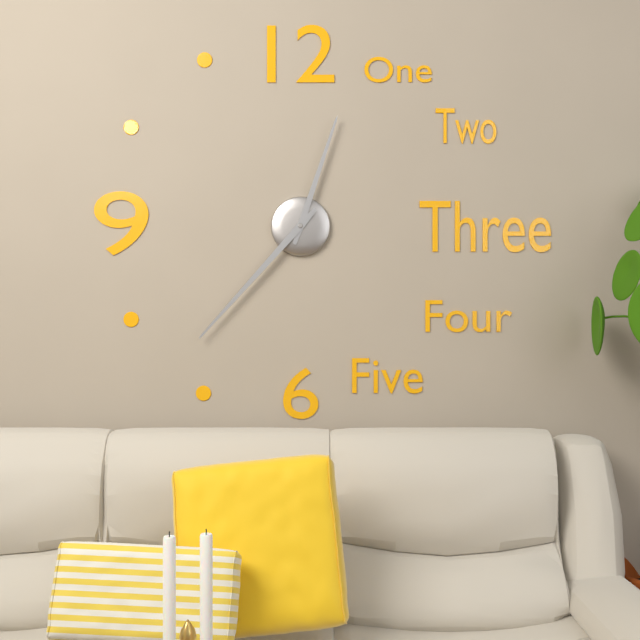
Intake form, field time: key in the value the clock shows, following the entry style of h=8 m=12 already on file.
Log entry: h=12 m=37
